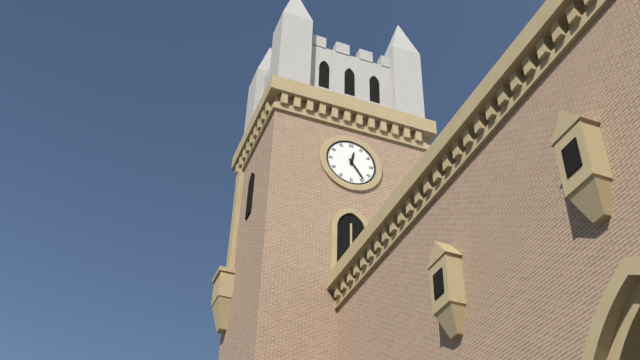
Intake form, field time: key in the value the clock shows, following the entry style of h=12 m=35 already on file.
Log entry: h=12 m=24
